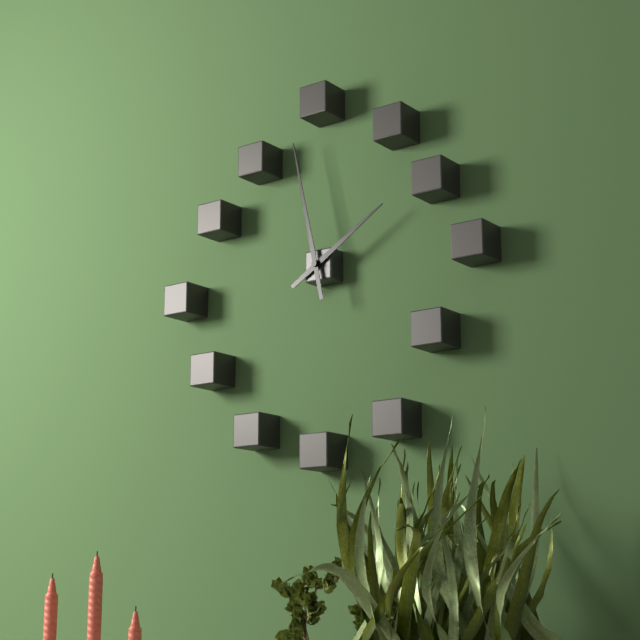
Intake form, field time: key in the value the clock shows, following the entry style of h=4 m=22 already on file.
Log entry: h=1 m=58
